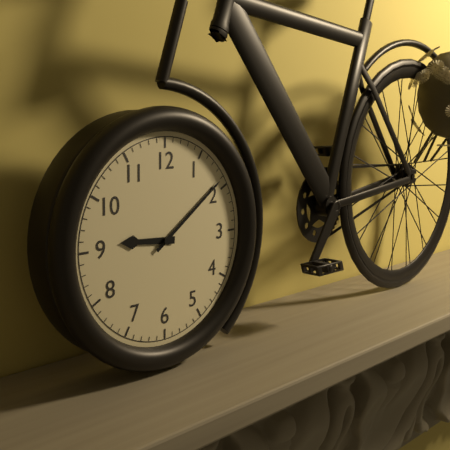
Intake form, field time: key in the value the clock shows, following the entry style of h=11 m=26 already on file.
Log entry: h=9 m=9
